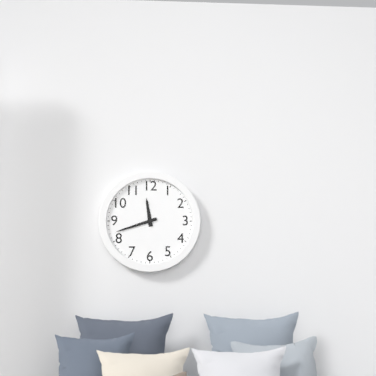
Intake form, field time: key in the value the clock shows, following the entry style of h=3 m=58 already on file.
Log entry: h=11 m=42
